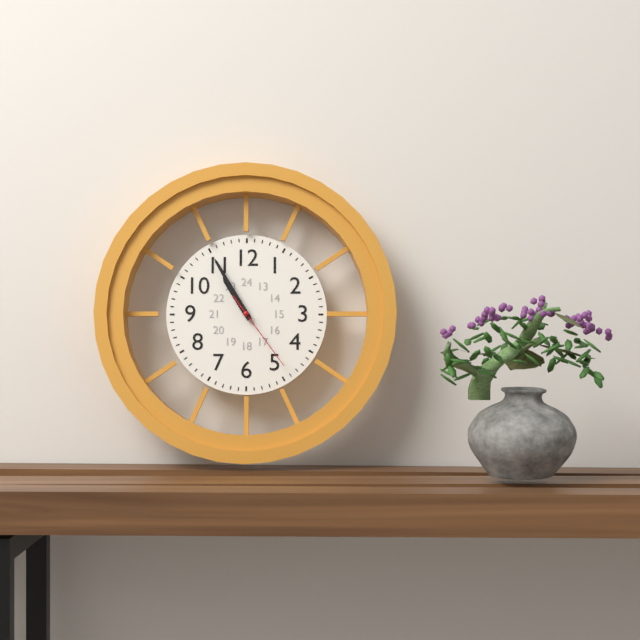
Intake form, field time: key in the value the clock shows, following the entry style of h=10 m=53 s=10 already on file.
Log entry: h=10 m=55 s=24
